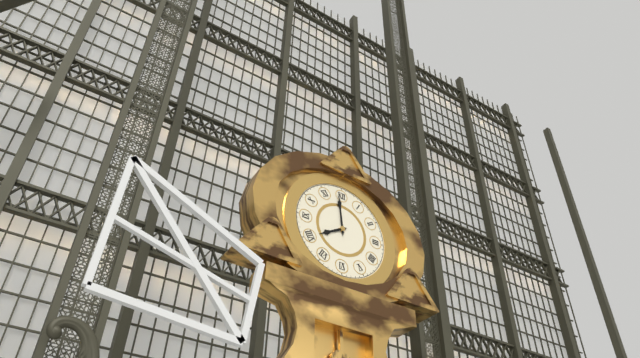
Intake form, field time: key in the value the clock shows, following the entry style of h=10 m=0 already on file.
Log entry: h=7 m=59
